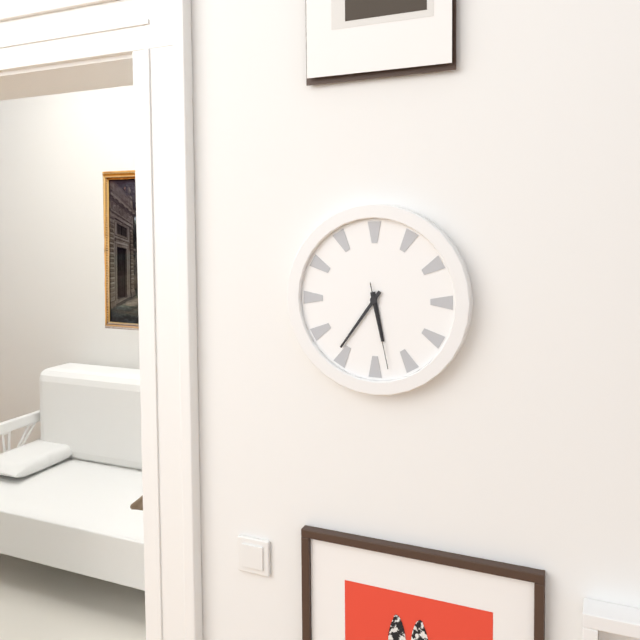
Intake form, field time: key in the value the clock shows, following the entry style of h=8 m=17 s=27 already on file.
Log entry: h=5 m=36 s=28
